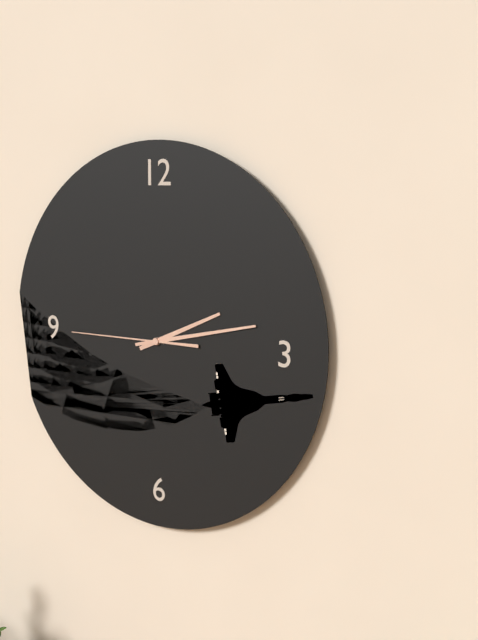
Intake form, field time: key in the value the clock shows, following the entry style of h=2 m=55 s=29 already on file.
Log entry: h=2 m=13 s=45
